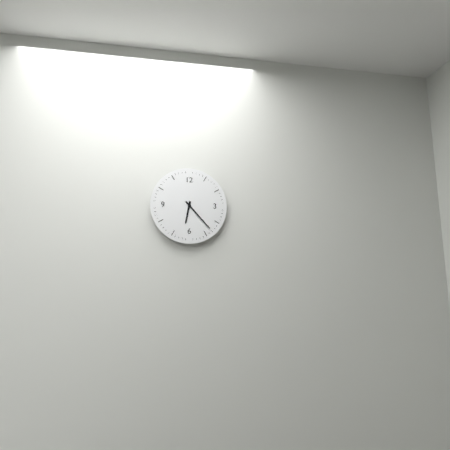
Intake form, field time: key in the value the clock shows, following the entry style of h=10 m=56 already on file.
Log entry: h=6 m=23
